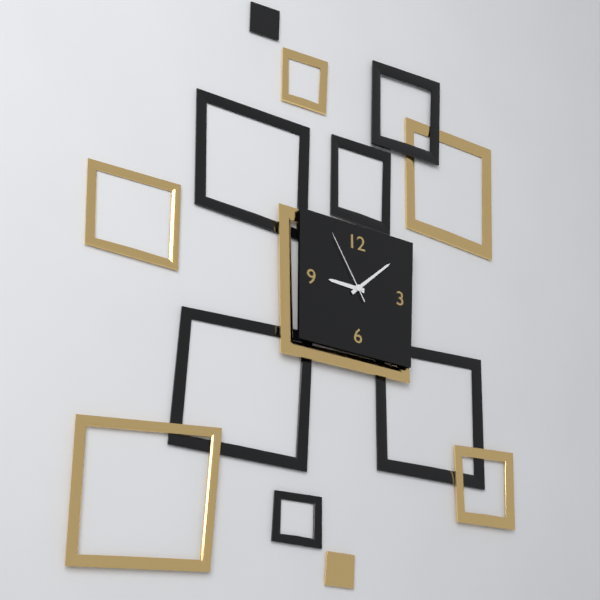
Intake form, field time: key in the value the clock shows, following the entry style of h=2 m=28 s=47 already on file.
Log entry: h=9 m=8 s=55
